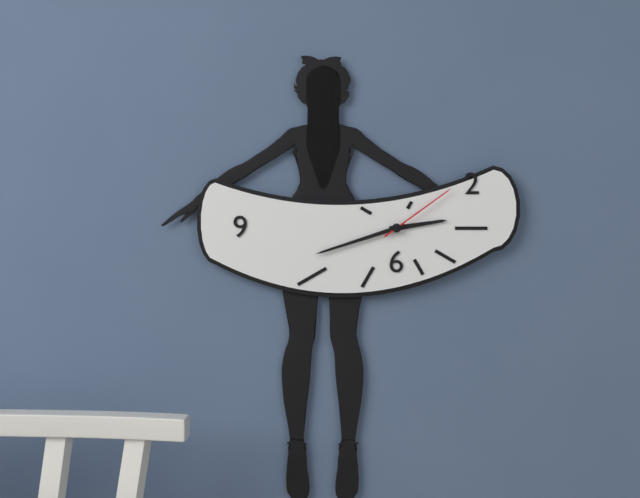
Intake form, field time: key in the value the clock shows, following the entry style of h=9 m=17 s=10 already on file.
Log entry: h=2 m=42 s=9
